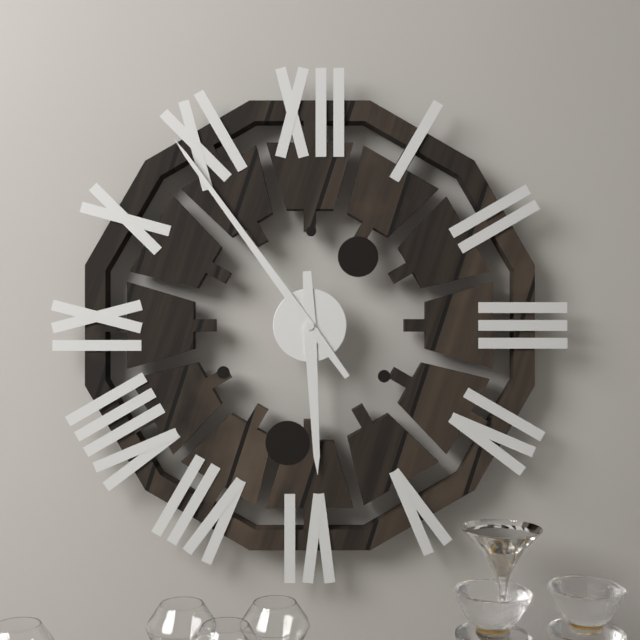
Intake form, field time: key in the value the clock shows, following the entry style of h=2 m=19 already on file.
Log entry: h=5 m=54
